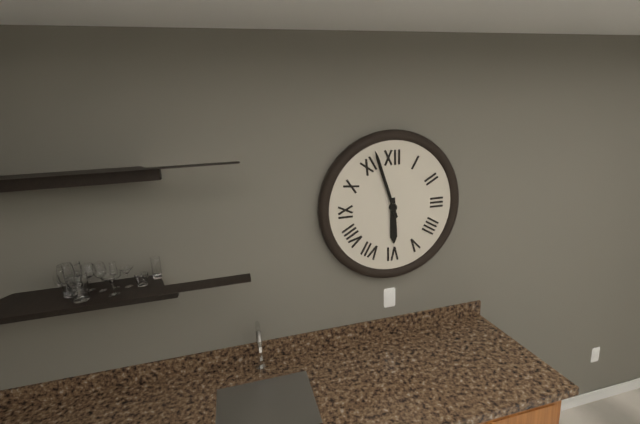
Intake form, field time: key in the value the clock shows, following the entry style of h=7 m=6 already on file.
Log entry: h=5 m=57
